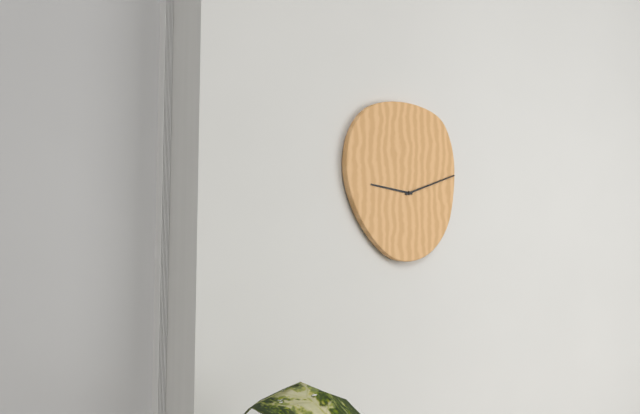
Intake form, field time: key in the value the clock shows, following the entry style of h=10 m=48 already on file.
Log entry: h=9 m=12
